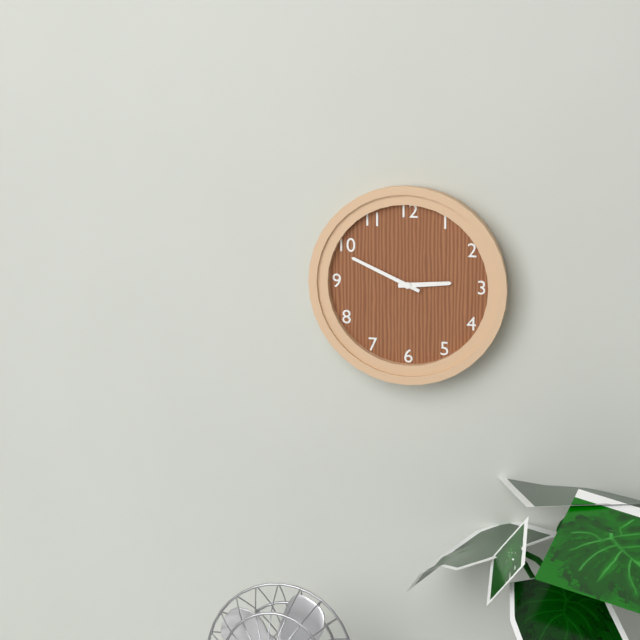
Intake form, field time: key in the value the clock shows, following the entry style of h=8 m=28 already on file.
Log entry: h=2 m=49
